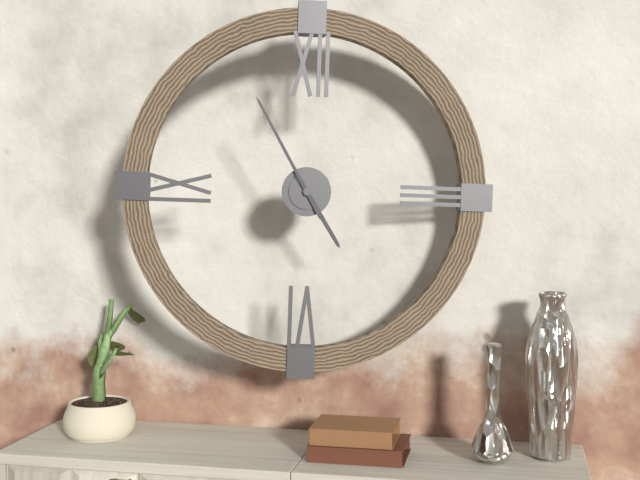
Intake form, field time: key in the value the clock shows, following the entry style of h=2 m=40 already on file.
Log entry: h=4 m=55
